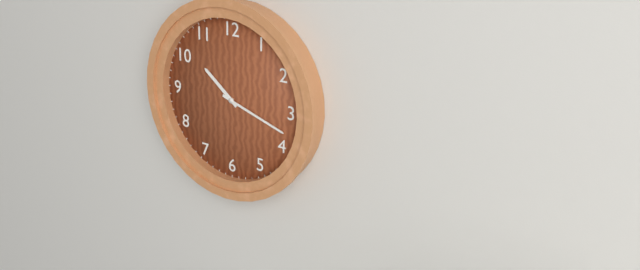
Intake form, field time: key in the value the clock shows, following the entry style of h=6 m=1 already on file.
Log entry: h=10 m=18
